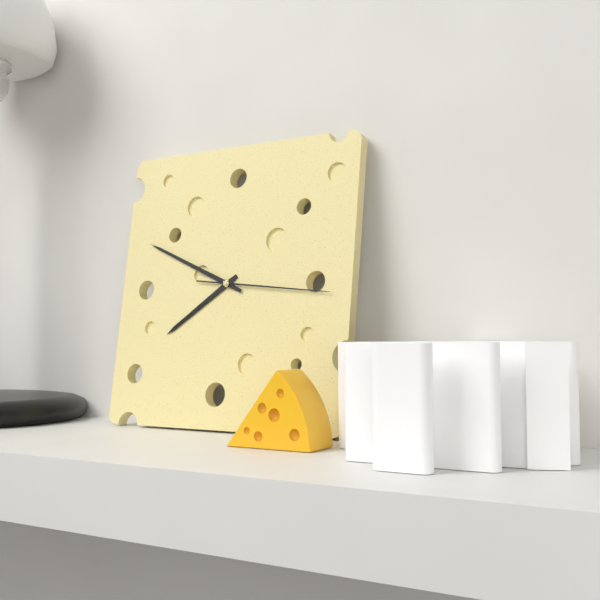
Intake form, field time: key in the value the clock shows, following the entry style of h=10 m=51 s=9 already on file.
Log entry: h=7 m=49 s=16
